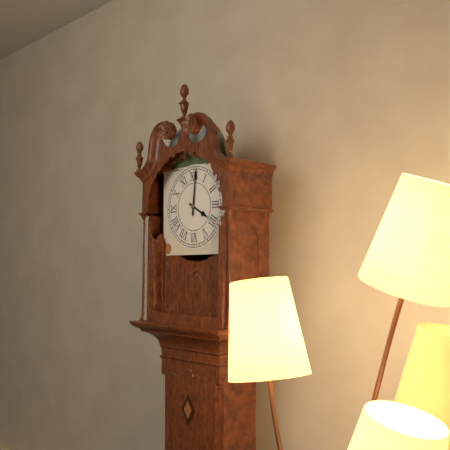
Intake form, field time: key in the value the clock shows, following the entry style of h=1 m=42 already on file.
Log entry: h=4 m=1
